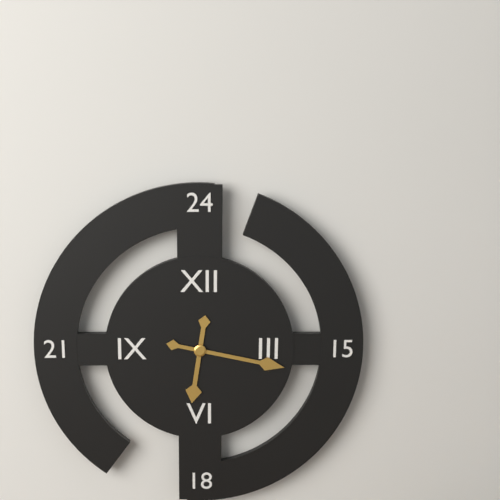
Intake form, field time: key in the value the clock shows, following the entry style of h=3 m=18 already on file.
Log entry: h=6 m=17
